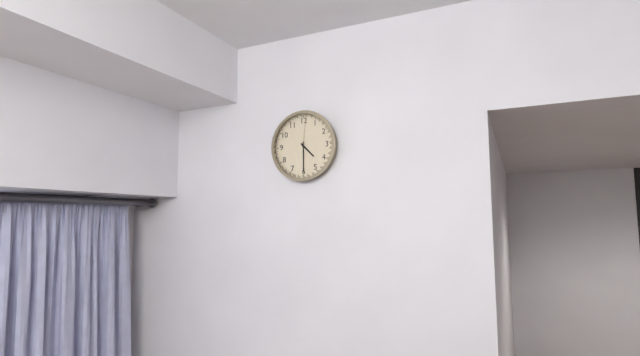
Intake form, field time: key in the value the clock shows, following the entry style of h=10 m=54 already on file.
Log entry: h=4 m=30
